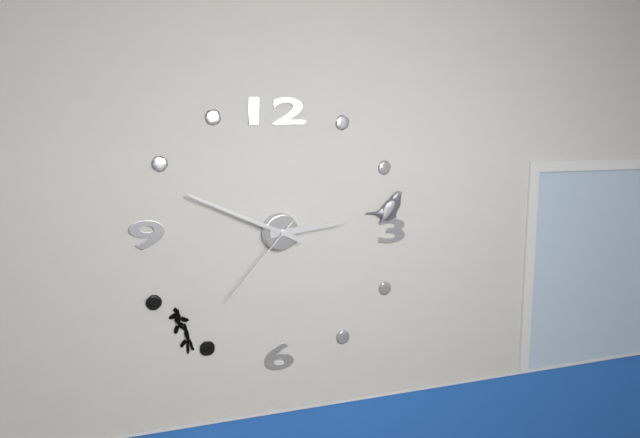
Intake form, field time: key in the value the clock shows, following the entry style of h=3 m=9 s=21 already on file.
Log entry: h=2 m=49 s=37
